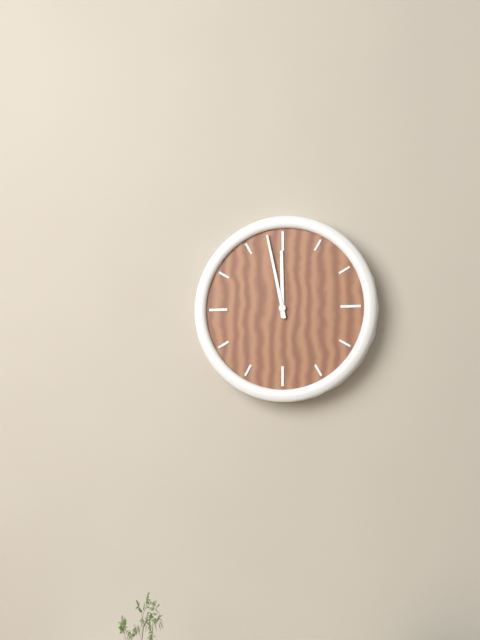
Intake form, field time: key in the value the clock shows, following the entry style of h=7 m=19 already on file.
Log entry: h=11 m=58
